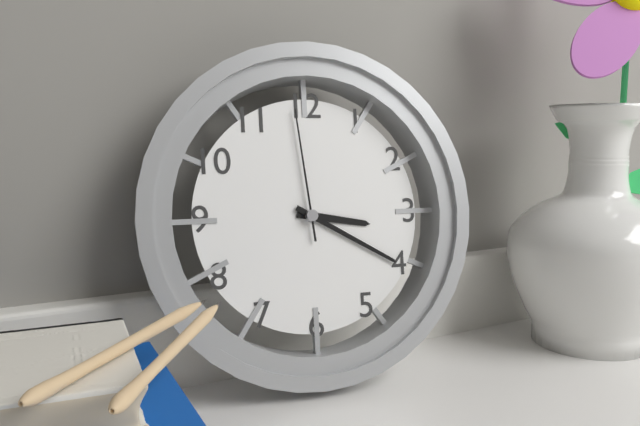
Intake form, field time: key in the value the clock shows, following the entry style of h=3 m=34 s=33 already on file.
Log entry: h=3 m=20 s=59
